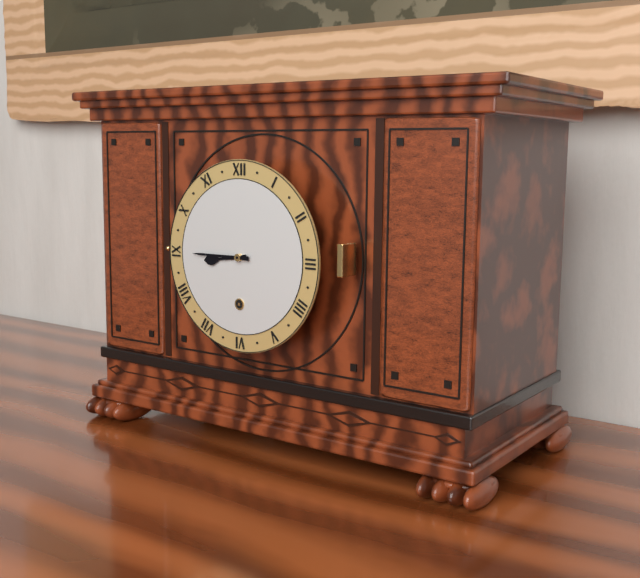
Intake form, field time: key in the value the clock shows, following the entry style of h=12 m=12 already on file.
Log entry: h=8 m=45
